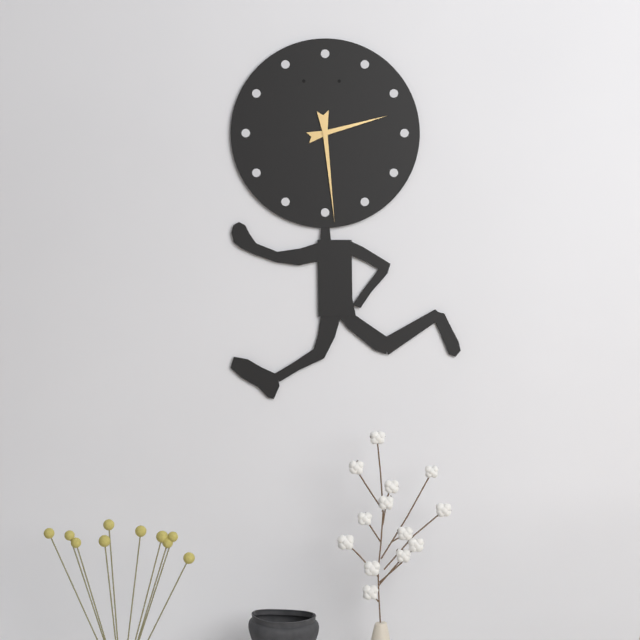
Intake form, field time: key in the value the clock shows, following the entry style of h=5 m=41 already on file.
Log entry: h=2 m=29
